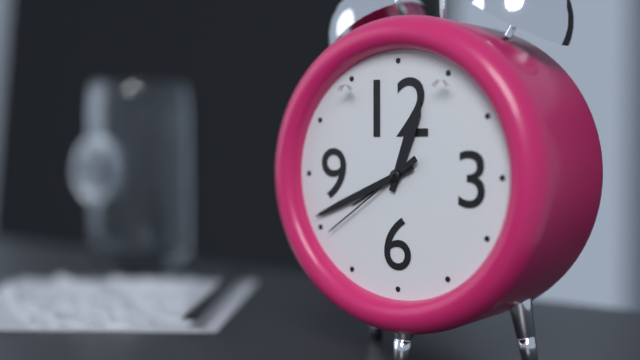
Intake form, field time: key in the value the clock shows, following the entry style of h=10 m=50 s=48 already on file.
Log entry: h=12 m=41 s=39
